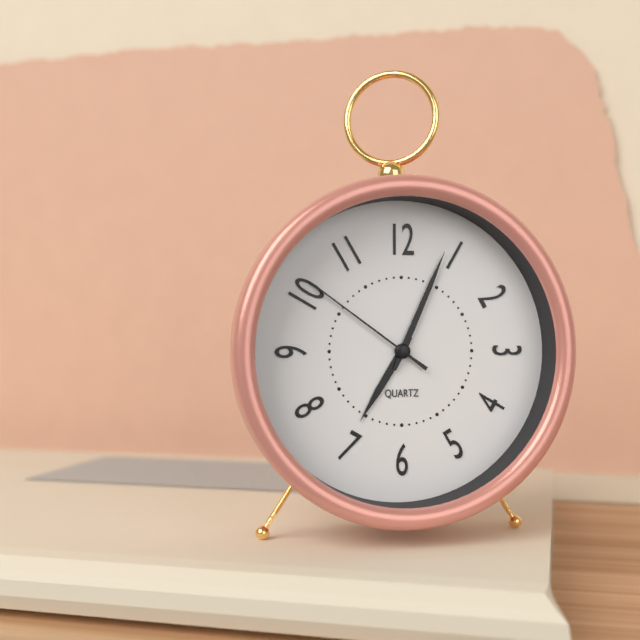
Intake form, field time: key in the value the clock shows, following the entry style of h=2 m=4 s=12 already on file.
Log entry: h=7 m=4 s=51
